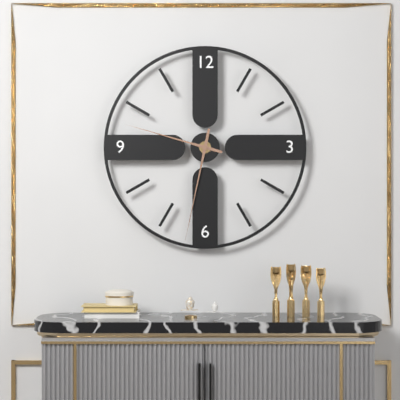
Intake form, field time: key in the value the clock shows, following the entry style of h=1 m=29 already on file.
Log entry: h=9 m=32
